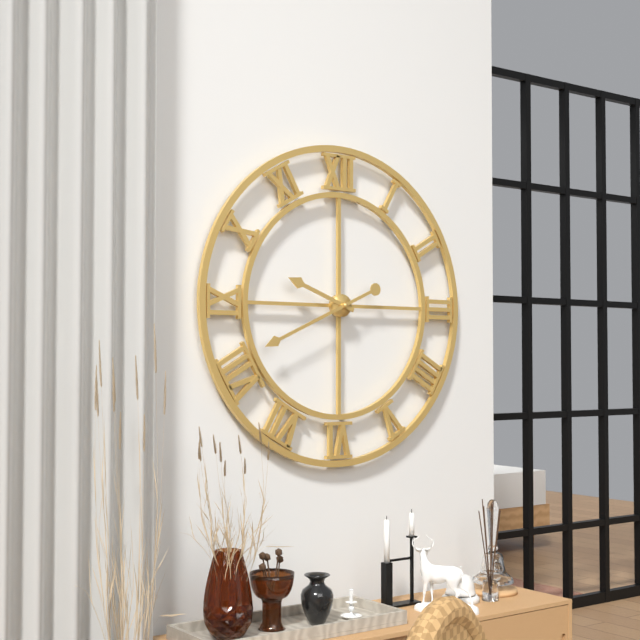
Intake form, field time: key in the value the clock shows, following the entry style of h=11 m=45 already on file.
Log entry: h=9 m=41
